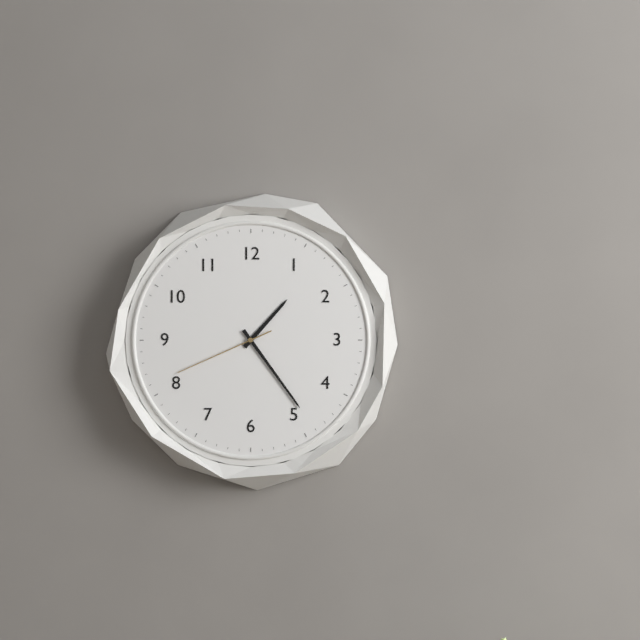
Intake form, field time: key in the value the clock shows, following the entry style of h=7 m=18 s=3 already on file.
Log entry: h=1 m=24 s=41
